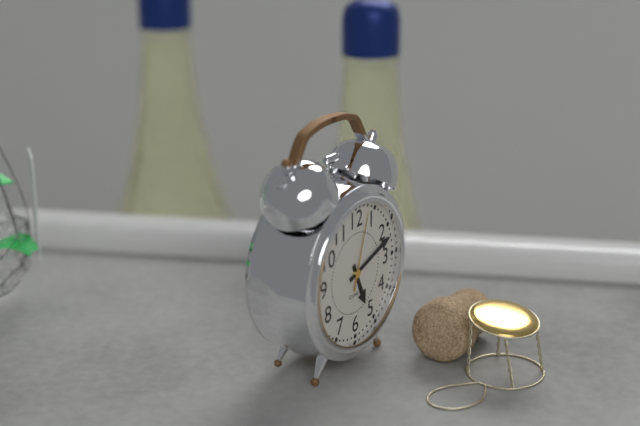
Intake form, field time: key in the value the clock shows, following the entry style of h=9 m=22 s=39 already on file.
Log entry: h=5 m=12 s=3
